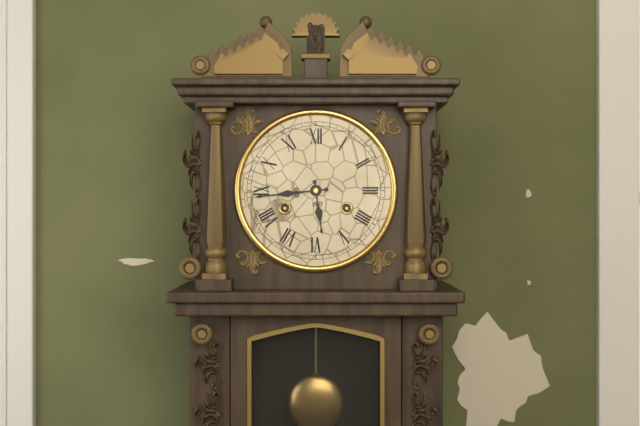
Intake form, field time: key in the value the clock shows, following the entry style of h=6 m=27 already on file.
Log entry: h=5 m=44
